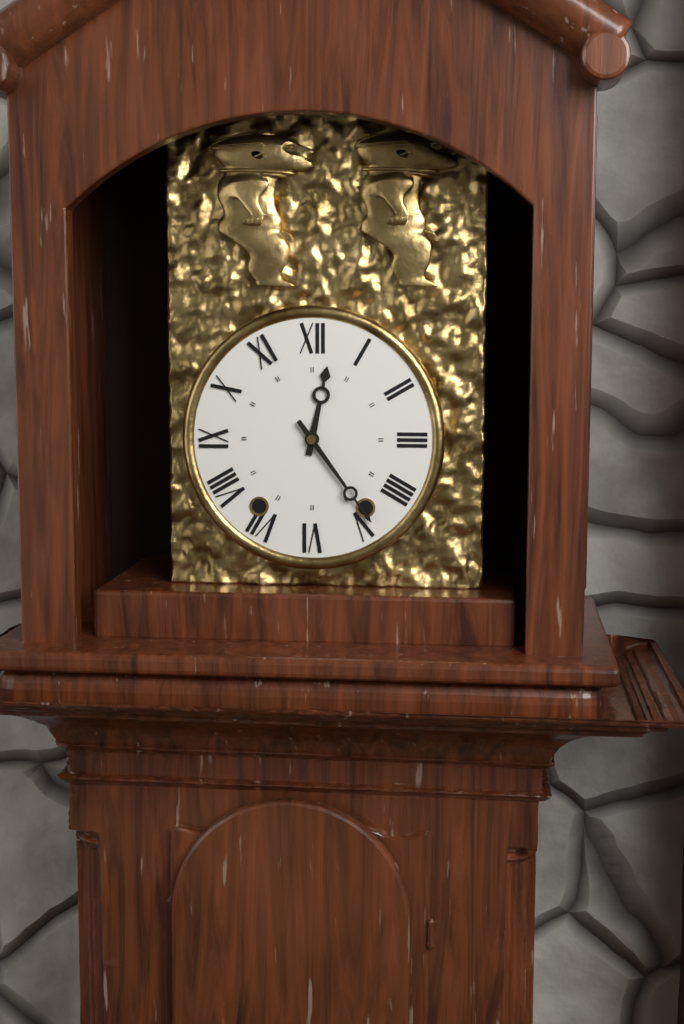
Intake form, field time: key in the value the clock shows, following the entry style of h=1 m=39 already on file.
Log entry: h=12 m=24
